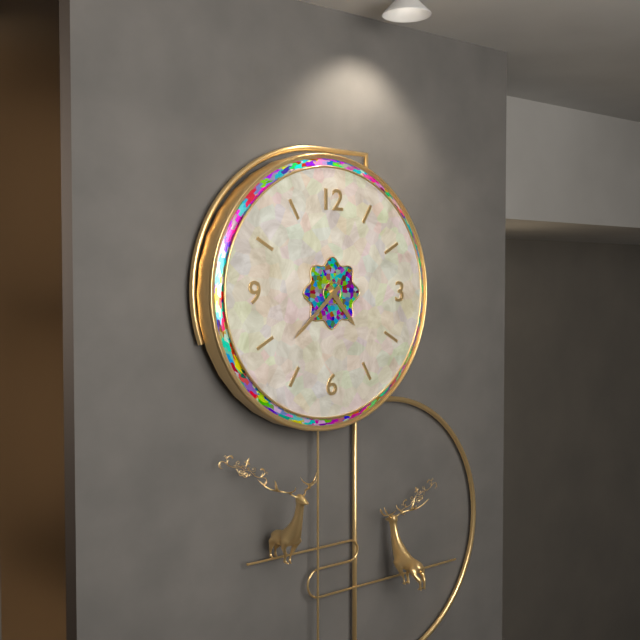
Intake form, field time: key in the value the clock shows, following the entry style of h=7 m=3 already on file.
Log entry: h=4 m=38
